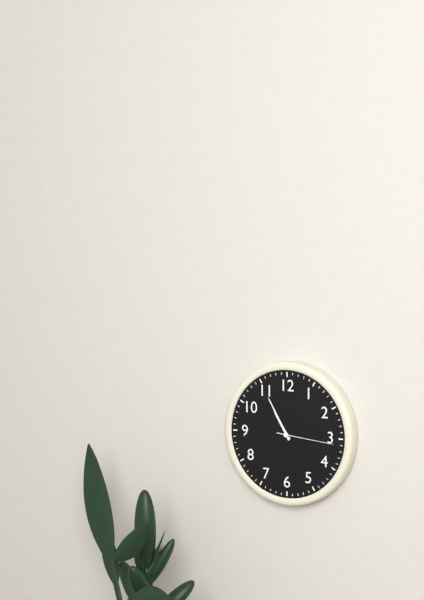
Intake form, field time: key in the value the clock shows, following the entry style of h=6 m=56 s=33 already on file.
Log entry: h=10 m=55 s=16
